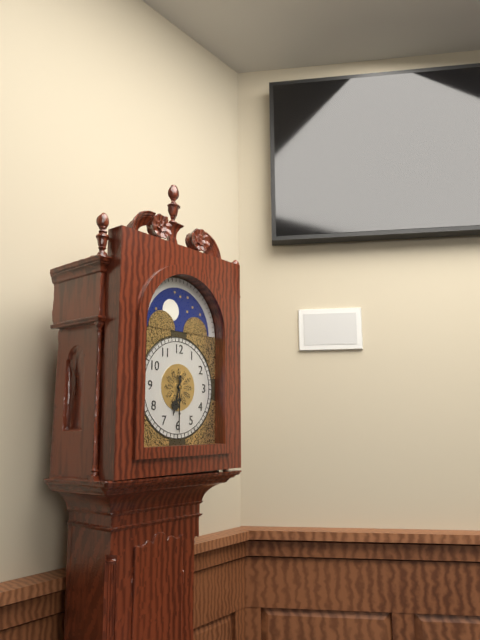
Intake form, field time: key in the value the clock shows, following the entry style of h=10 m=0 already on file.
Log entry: h=6 m=30
